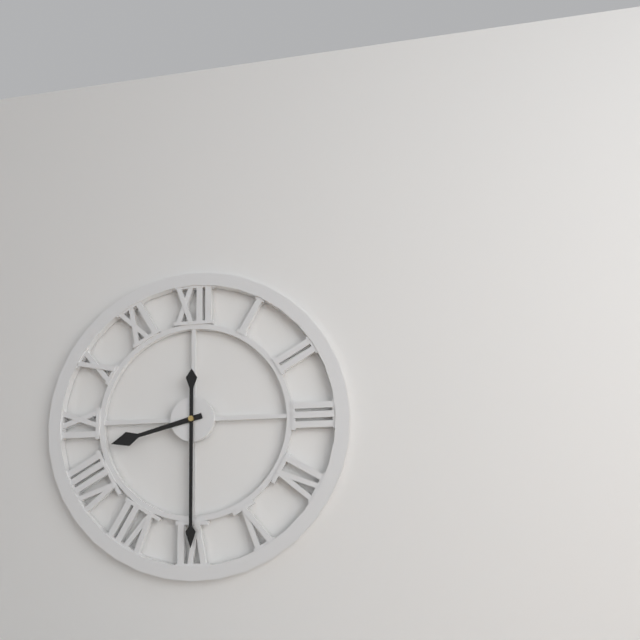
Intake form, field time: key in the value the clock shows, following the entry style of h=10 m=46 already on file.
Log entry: h=8 m=30
